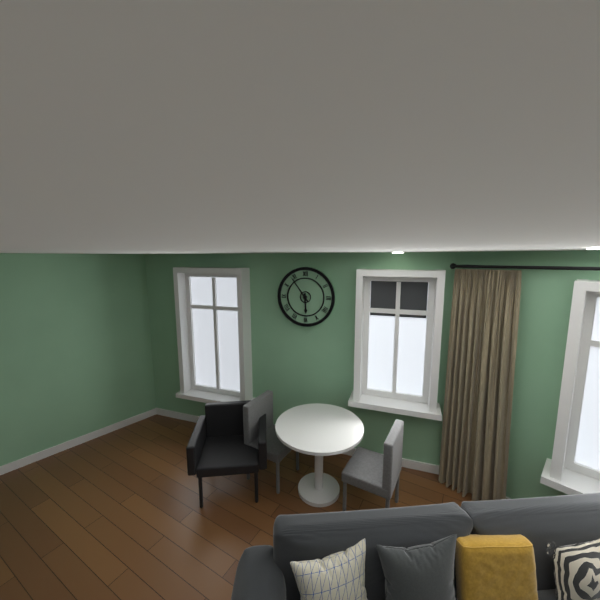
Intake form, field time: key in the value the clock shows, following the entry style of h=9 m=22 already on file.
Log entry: h=5 m=54
